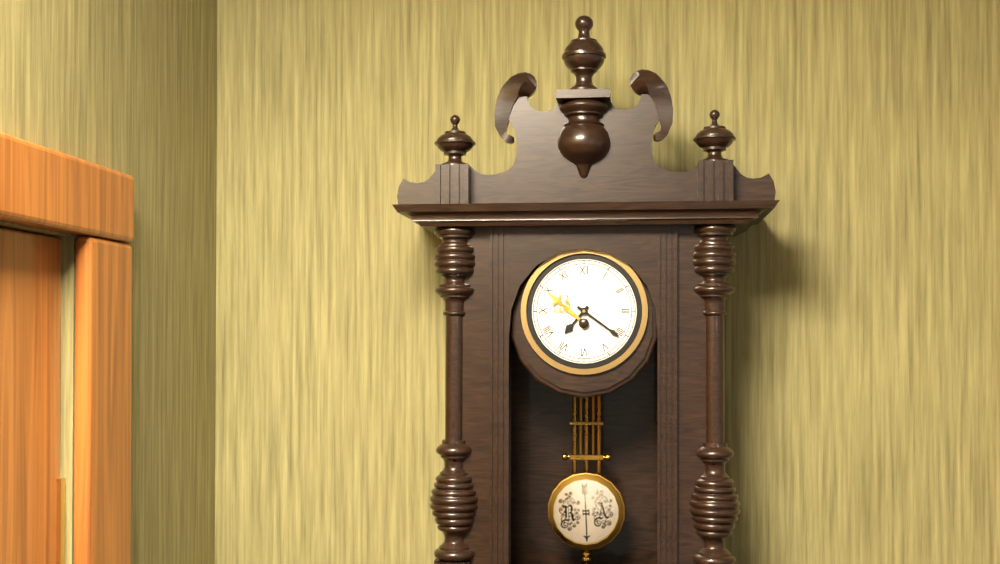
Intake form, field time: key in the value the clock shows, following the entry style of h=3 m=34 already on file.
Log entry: h=7 m=21
